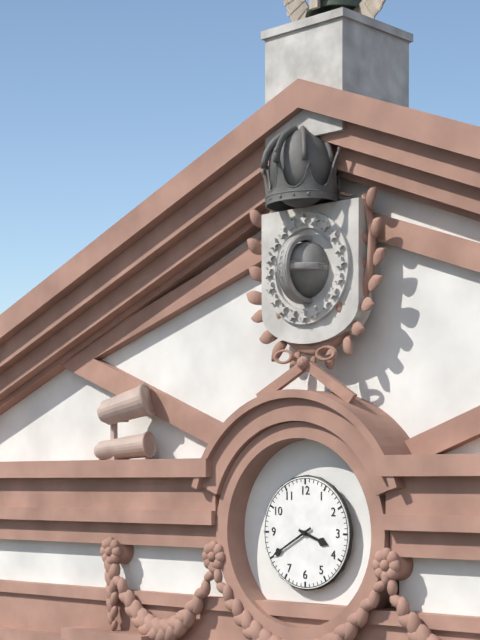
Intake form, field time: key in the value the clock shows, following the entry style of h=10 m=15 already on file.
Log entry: h=3 m=40
